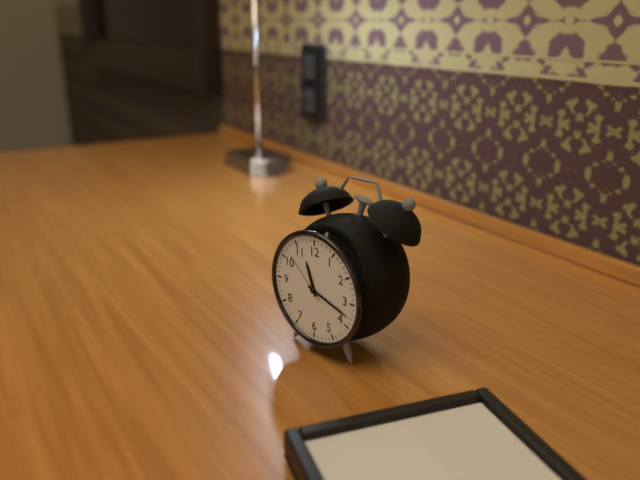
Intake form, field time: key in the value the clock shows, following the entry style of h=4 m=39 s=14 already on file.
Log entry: h=11 m=18 s=52
